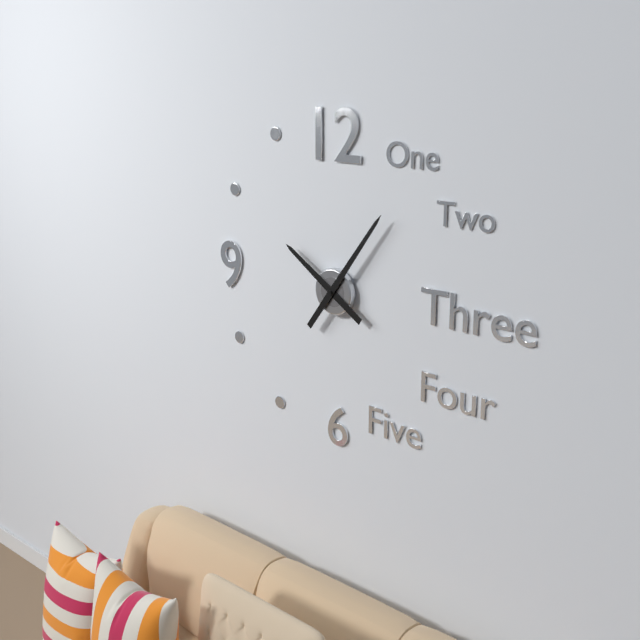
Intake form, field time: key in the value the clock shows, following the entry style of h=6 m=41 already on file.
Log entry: h=10 m=6
